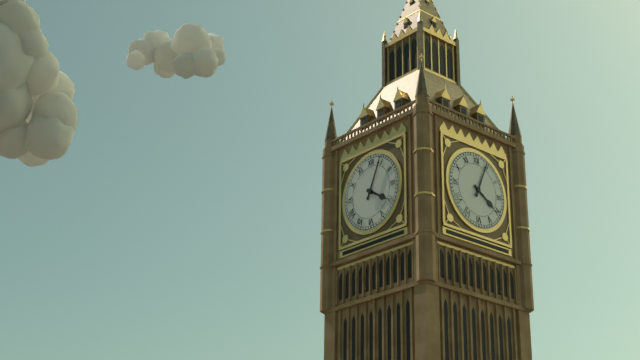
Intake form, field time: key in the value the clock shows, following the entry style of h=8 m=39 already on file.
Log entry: h=4 m=4
